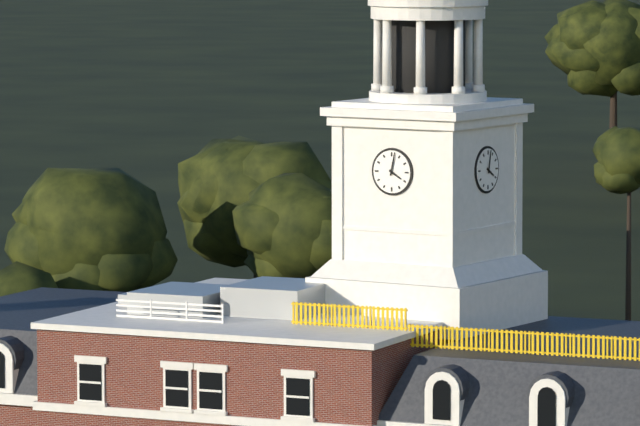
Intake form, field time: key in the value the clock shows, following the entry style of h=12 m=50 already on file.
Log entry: h=4 m=2
